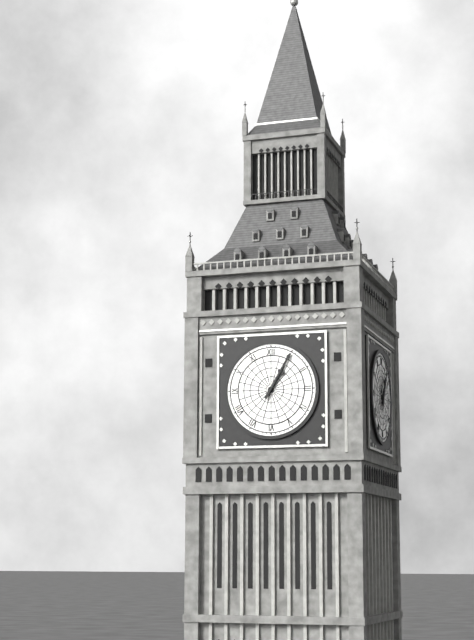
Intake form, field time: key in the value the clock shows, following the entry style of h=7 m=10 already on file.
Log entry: h=1 m=5
